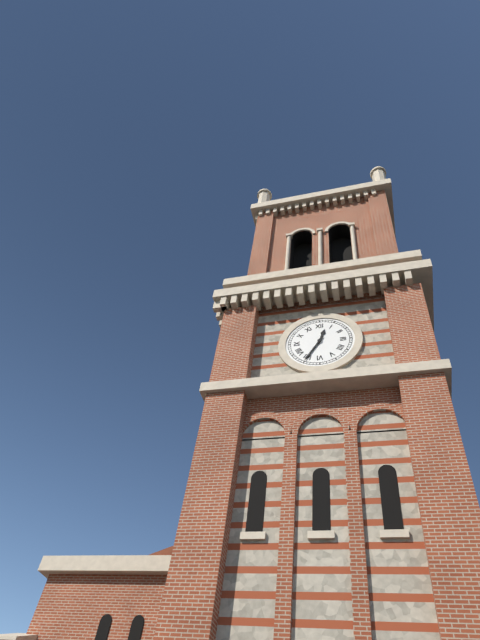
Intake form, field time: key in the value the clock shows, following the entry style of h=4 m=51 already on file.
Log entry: h=12 m=35
